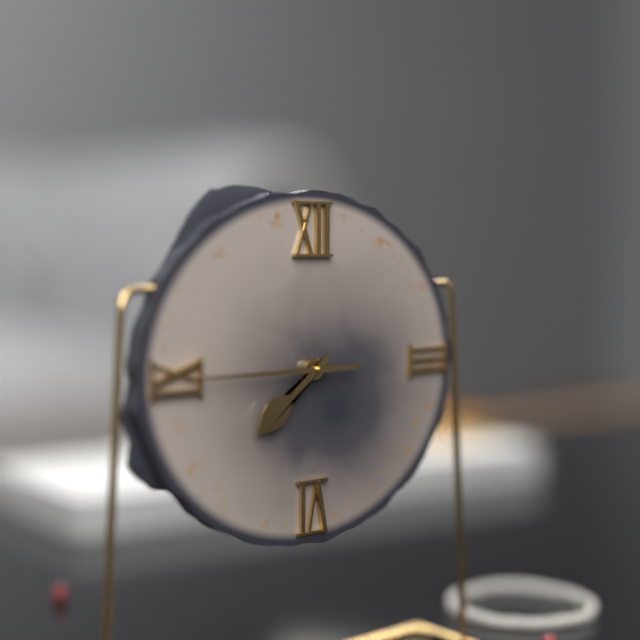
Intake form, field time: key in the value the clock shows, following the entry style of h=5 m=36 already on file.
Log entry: h=7 m=45
